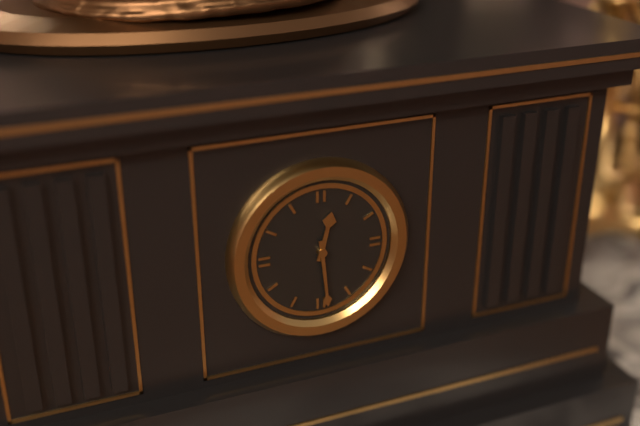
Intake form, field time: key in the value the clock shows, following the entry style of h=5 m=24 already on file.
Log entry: h=12 m=29
